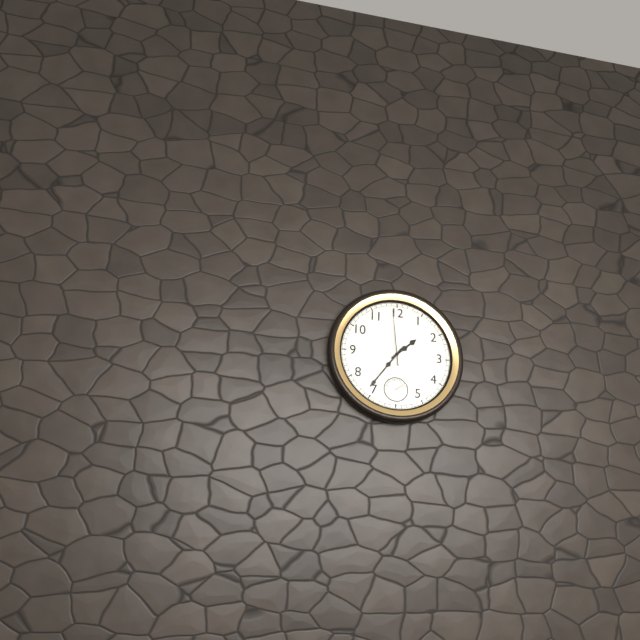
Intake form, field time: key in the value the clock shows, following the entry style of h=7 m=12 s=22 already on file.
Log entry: h=1 m=36 s=59
